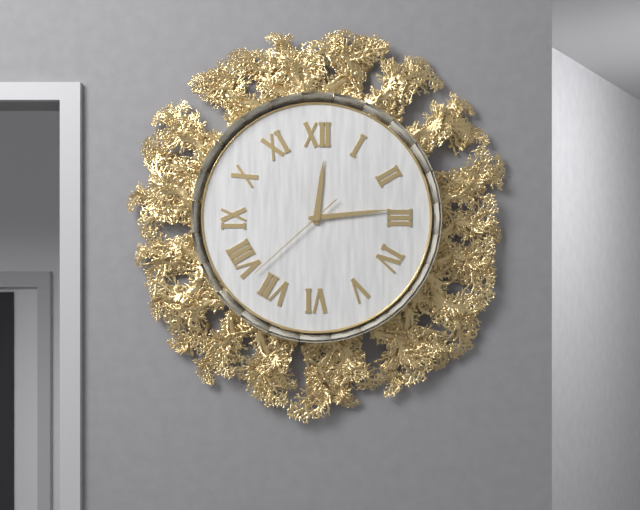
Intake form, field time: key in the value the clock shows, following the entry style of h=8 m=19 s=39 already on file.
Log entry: h=12 m=14 s=38
